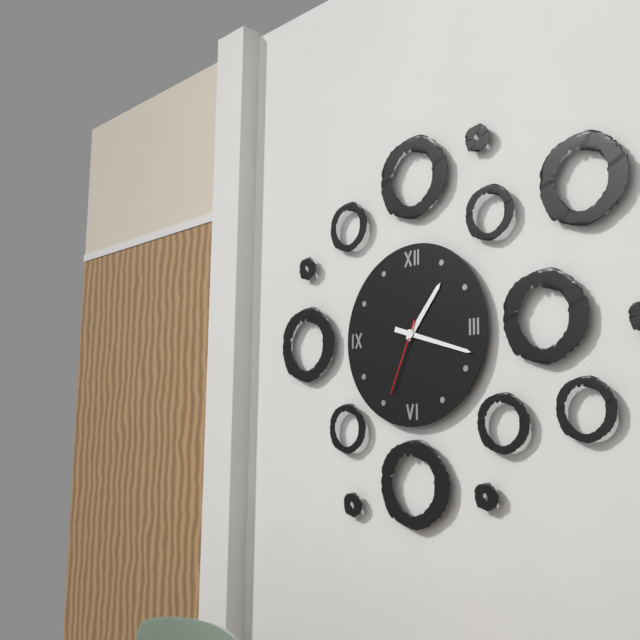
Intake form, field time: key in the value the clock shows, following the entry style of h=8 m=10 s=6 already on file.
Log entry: h=1 m=18 s=34
